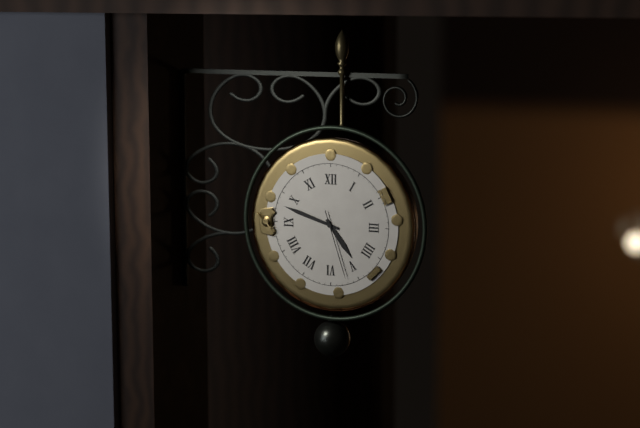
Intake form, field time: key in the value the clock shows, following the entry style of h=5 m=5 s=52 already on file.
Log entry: h=4 m=48 s=27
